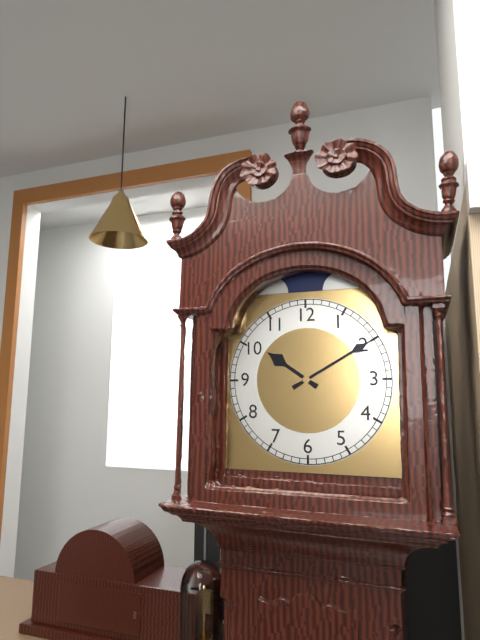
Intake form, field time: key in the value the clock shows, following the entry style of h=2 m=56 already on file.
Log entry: h=10 m=10
